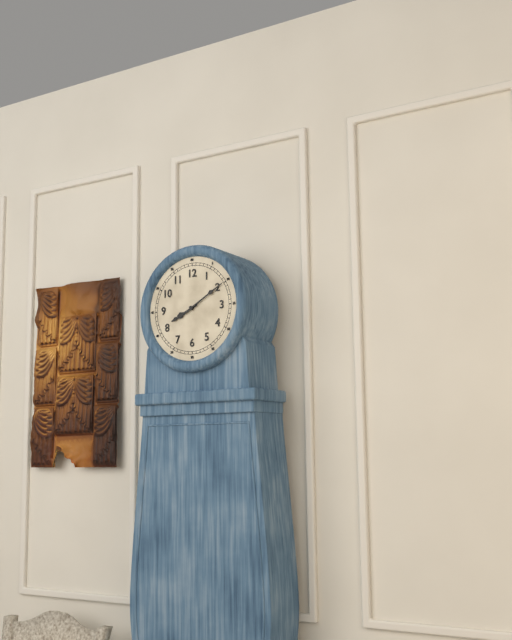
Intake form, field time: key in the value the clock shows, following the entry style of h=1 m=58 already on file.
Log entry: h=8 m=10
